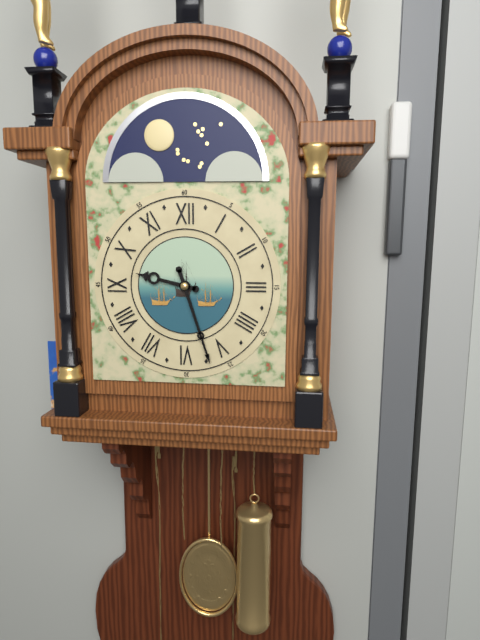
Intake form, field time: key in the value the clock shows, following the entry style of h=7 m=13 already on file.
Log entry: h=9 m=27
